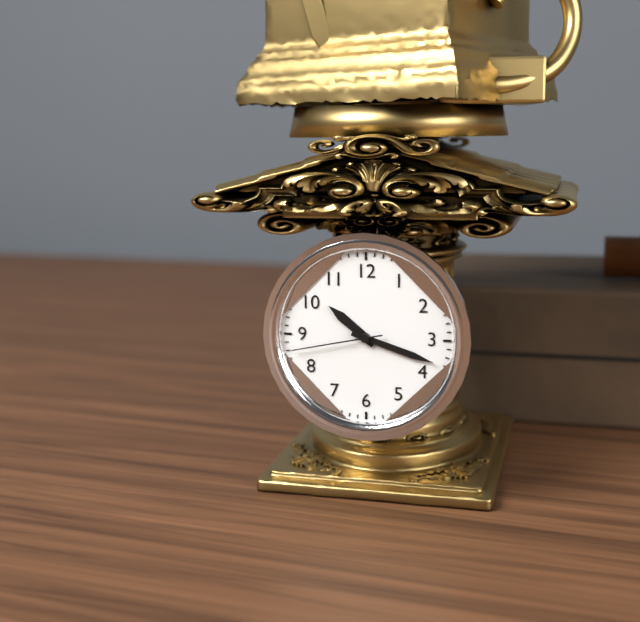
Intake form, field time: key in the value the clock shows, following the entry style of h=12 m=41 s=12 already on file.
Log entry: h=10 m=18 s=43
